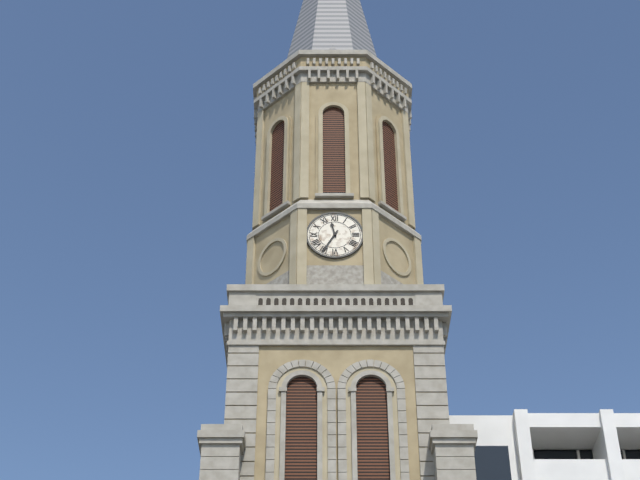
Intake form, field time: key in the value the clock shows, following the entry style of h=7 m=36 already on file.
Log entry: h=11 m=35
